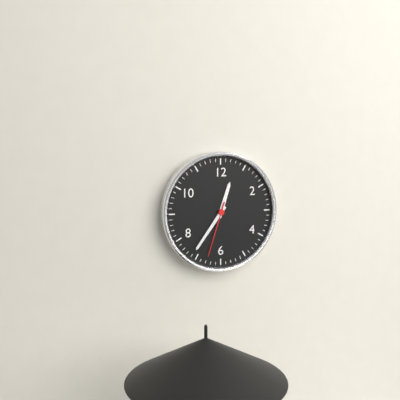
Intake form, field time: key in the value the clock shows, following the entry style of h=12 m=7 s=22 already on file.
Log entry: h=12 m=36 s=33
